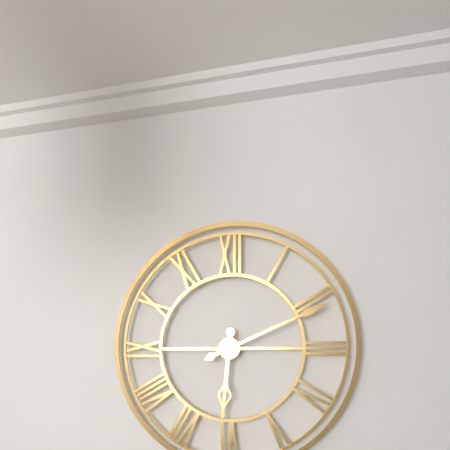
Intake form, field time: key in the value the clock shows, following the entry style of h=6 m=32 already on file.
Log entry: h=6 m=11
